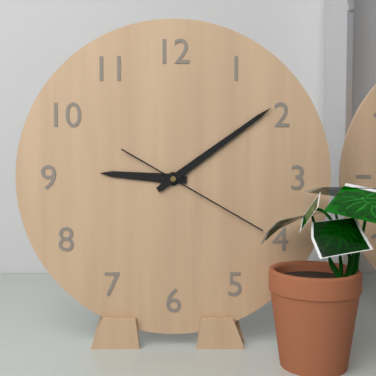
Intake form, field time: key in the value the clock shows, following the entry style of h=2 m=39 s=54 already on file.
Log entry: h=9 m=9 s=20
